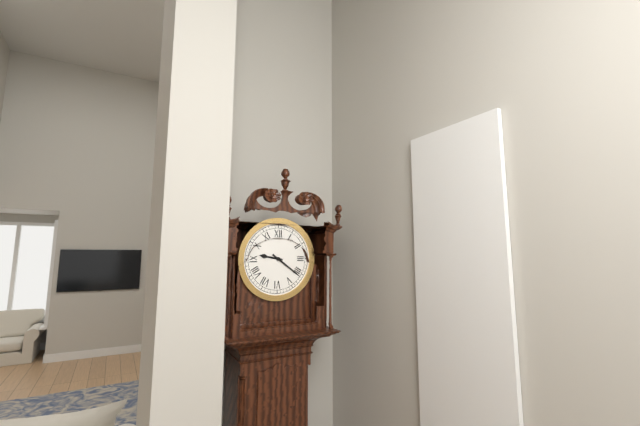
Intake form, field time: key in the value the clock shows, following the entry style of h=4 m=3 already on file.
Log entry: h=9 m=21
